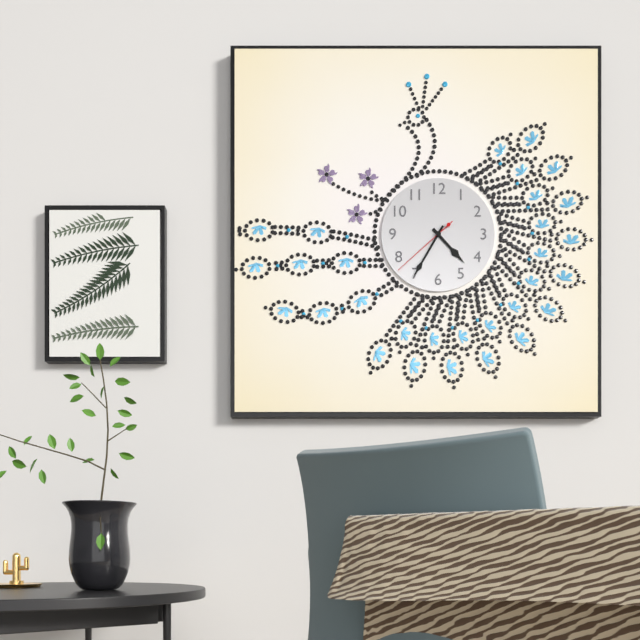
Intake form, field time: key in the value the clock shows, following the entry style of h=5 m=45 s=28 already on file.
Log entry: h=4 m=35 s=38
